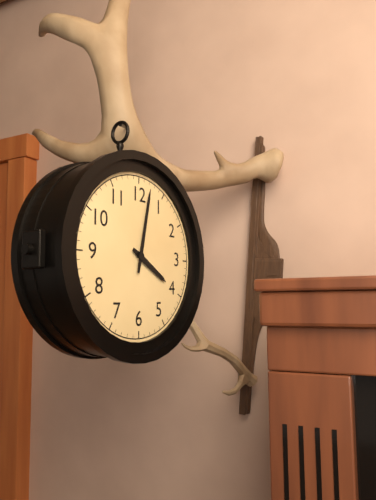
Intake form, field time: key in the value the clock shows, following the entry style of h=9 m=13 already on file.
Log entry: h=4 m=2
